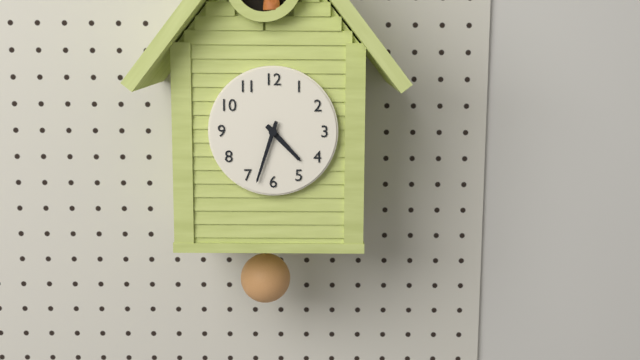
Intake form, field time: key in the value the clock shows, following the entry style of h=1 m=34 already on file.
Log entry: h=4 m=33
